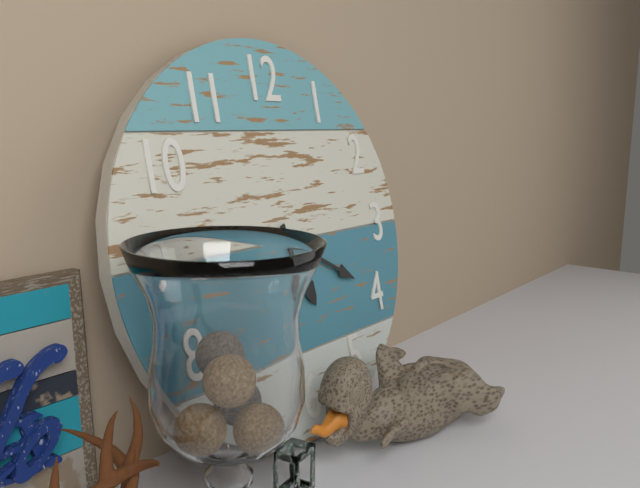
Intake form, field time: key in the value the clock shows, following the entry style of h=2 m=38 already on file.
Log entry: h=5 m=20
